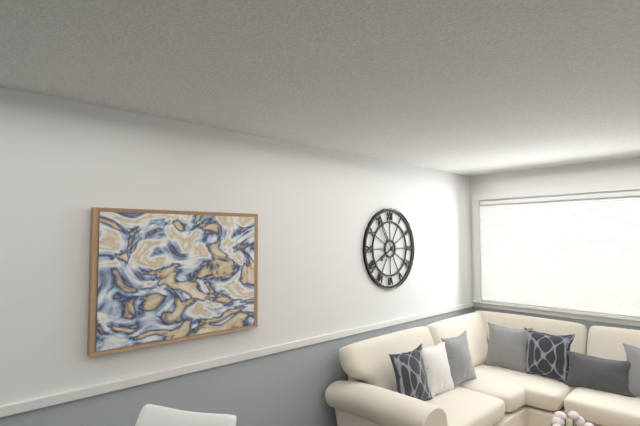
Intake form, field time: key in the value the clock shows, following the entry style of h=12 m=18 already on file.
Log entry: h=7 m=55
